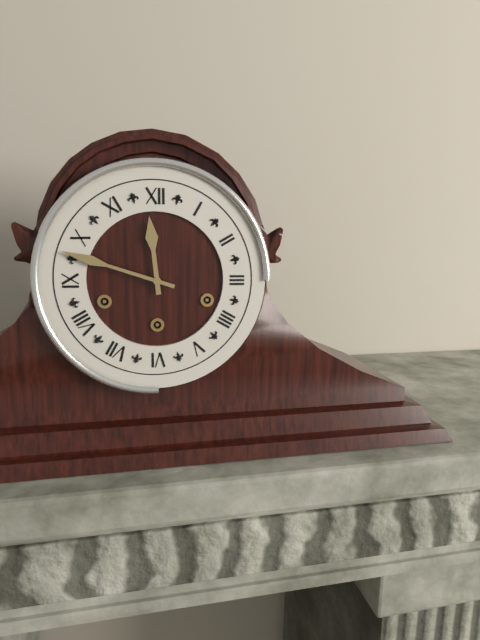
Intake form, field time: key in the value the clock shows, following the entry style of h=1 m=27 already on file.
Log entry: h=11 m=48
